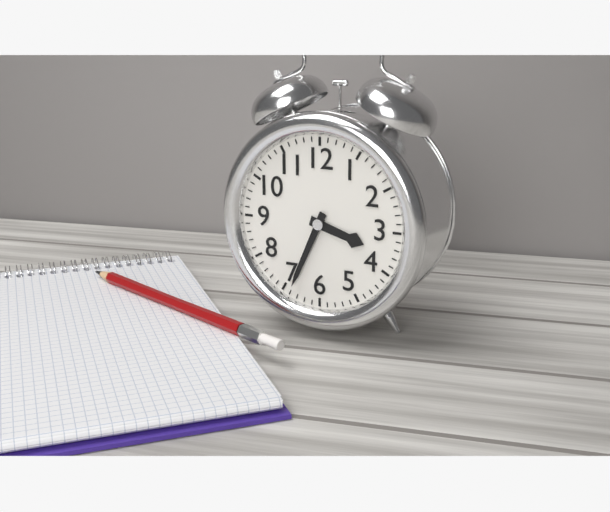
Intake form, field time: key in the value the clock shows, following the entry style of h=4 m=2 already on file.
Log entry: h=3 m=34
